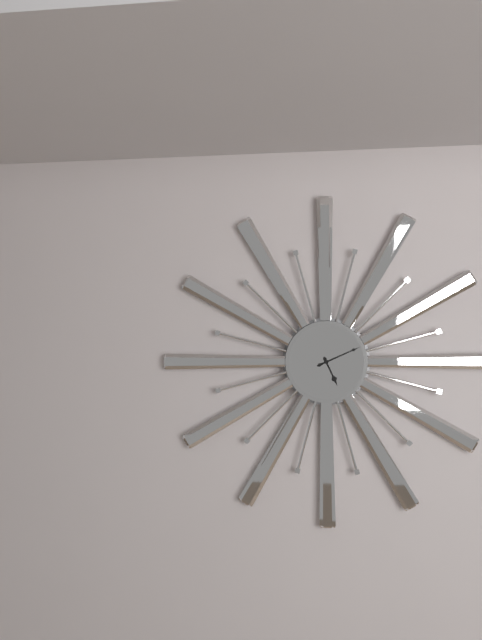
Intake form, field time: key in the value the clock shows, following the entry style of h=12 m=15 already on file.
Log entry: h=5 m=11
